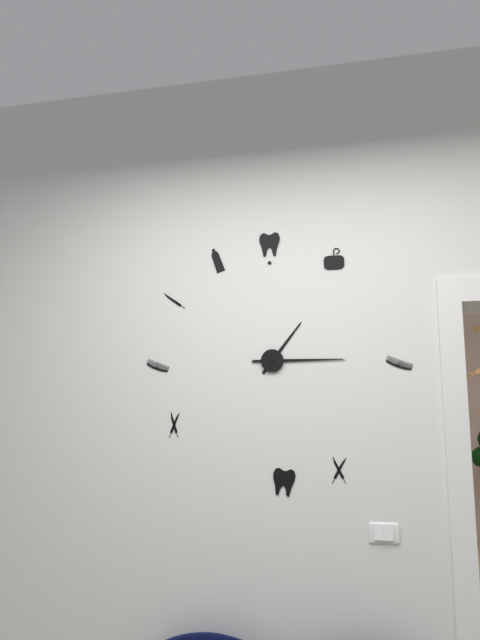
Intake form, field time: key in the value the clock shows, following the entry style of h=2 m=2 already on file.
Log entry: h=1 m=15
